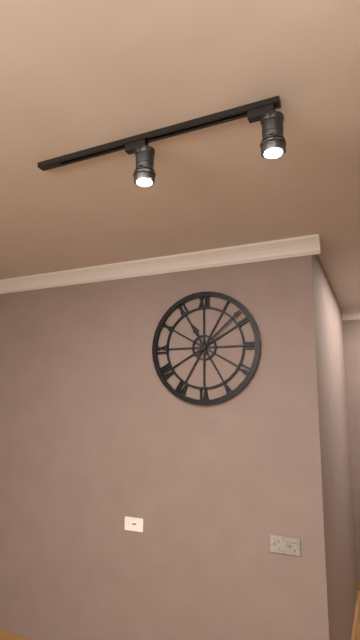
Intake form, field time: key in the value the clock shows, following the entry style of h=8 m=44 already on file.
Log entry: h=11 m=8
